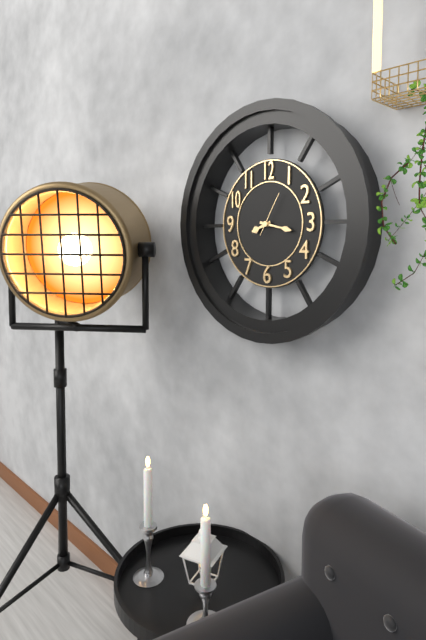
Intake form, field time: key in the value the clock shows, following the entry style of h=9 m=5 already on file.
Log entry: h=8 m=17
